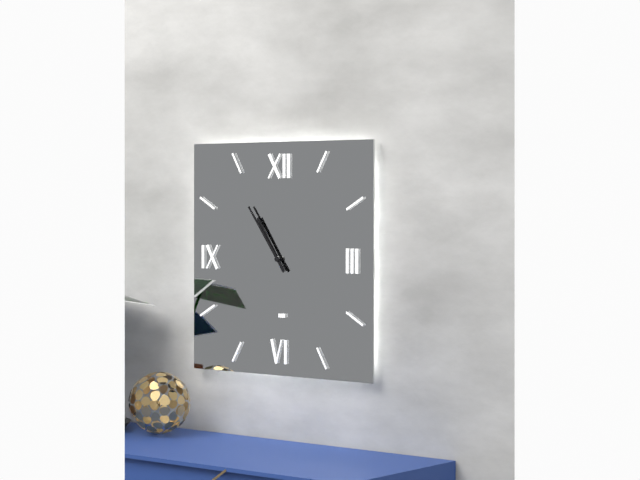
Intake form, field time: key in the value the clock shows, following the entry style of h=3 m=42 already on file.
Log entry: h=10 m=54
